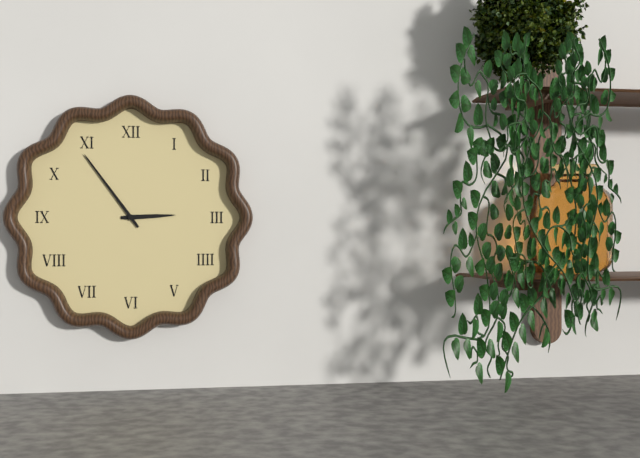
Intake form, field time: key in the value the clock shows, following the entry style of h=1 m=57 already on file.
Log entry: h=2 m=54
